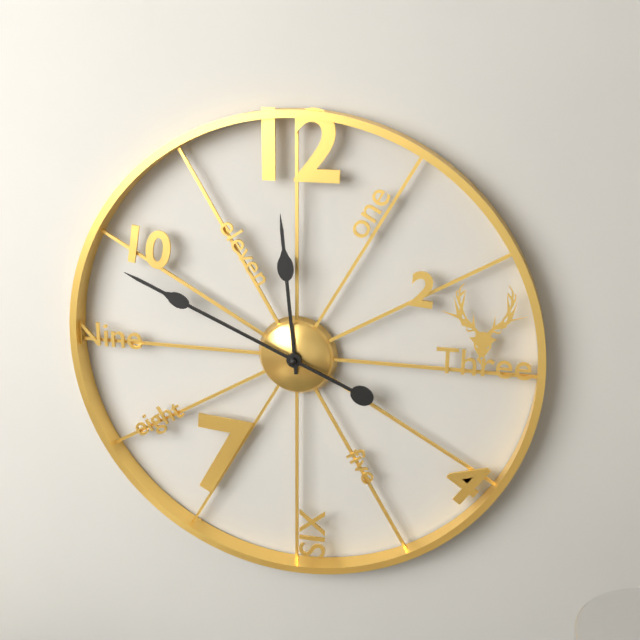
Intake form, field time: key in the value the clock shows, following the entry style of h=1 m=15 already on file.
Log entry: h=11 m=49
